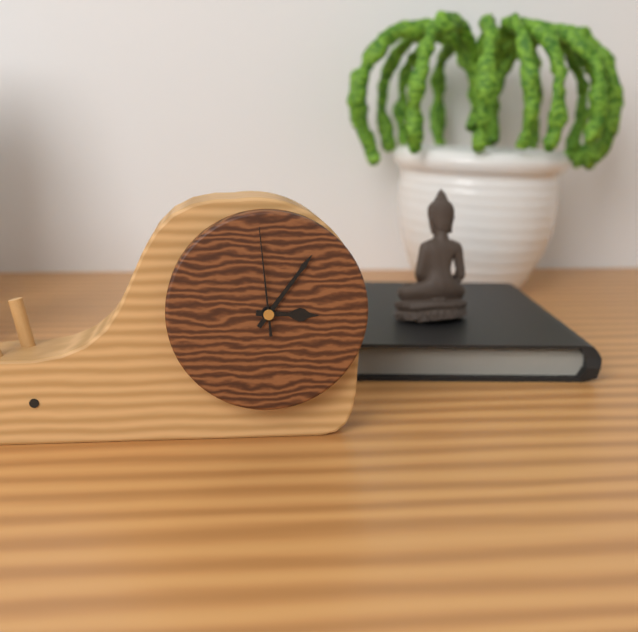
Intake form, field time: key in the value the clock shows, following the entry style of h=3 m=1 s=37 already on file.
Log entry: h=3 m=6 s=59
